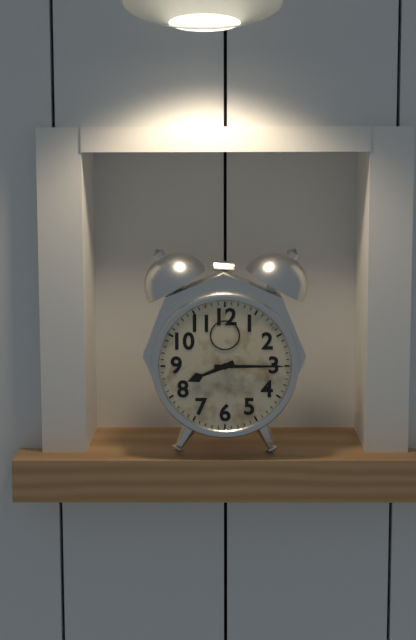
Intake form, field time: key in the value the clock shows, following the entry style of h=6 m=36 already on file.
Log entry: h=8 m=15
